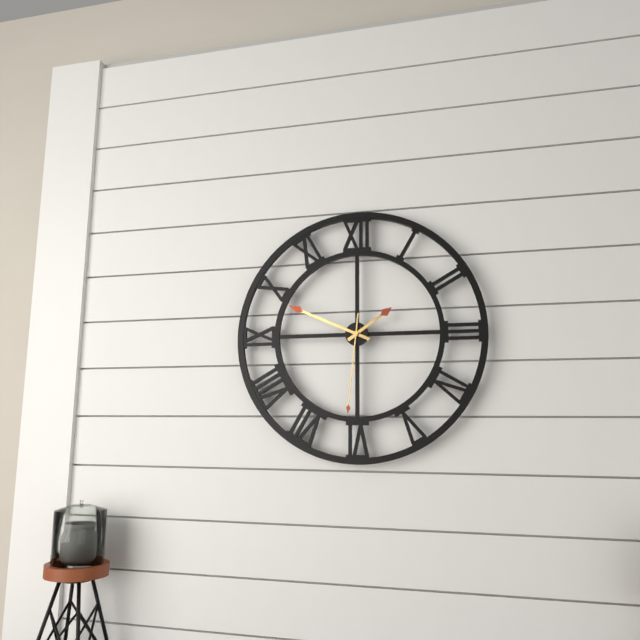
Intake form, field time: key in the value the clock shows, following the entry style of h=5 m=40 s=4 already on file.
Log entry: h=1 m=49 s=31
